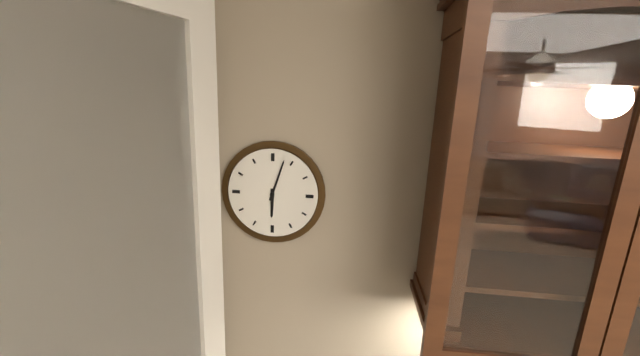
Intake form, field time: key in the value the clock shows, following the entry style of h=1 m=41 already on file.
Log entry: h=6 m=3
